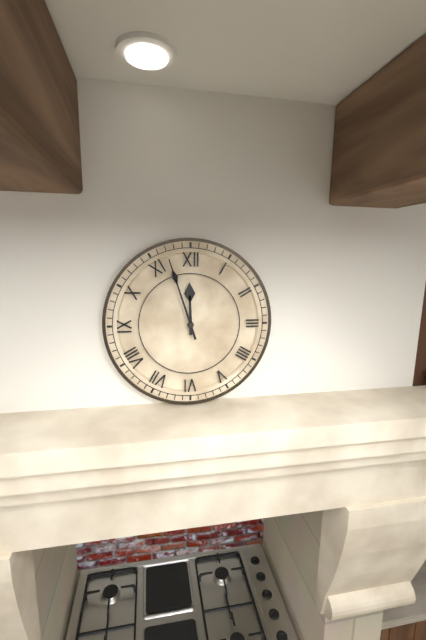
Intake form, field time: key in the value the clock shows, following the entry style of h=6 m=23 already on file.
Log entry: h=11 m=57
